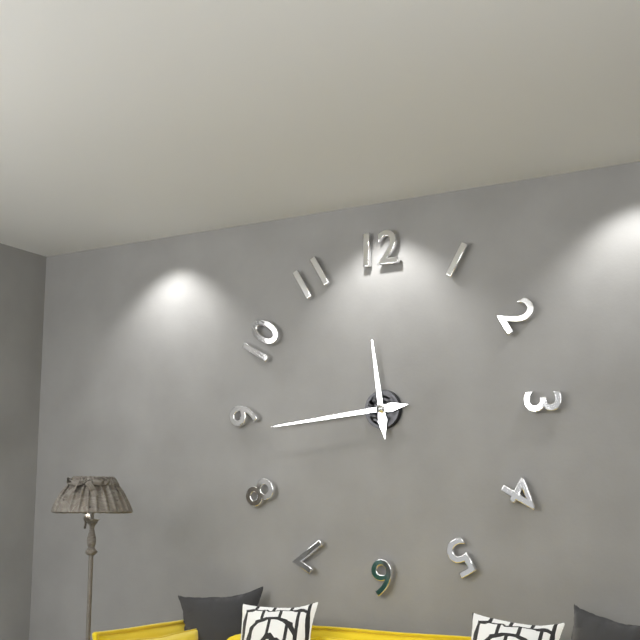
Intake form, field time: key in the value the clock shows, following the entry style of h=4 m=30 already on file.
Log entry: h=11 m=44
